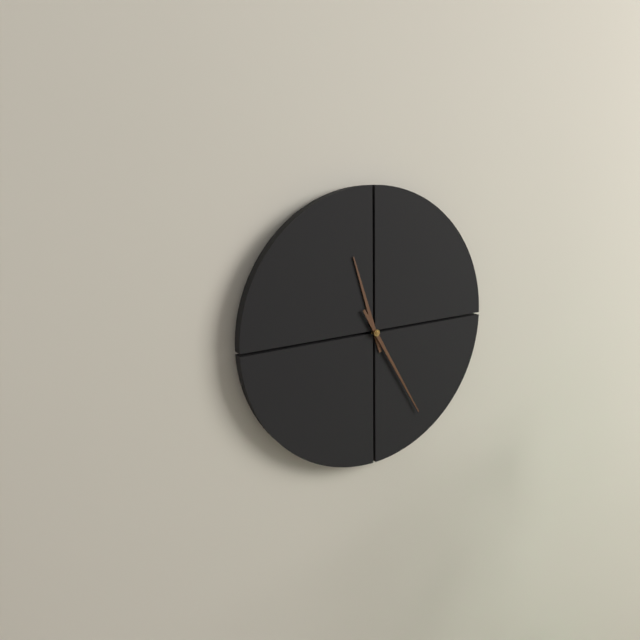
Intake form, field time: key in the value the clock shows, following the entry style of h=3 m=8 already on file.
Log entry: h=11 m=25
